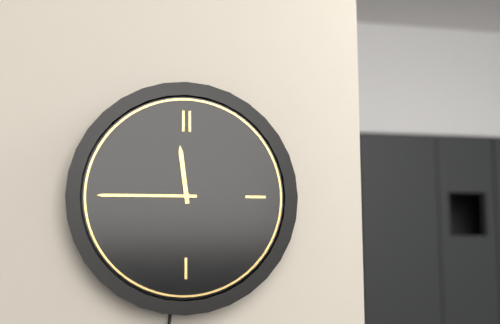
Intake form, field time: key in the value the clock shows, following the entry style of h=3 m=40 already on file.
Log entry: h=11 m=45
